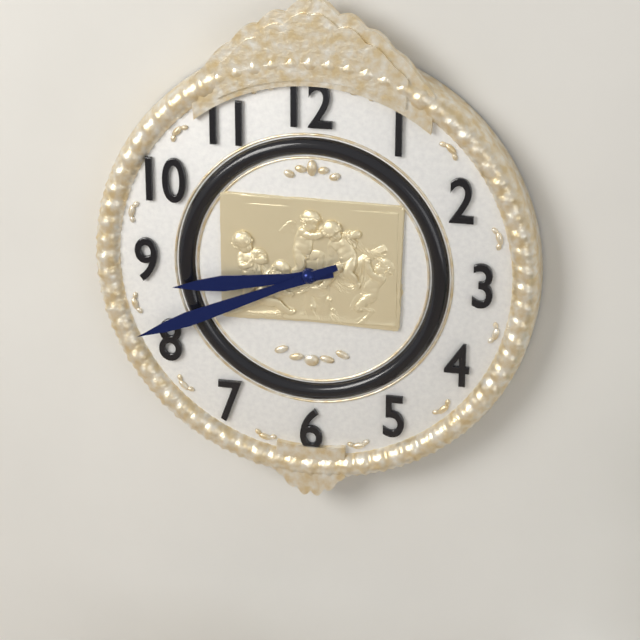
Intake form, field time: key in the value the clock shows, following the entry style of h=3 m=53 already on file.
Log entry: h=8 m=41
